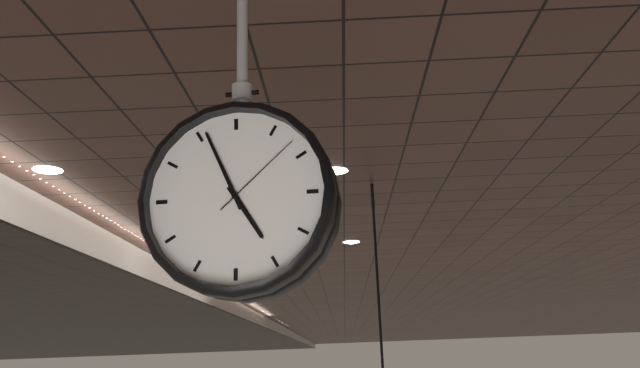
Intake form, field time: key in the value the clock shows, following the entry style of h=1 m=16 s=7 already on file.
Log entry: h=4 m=56 s=8
